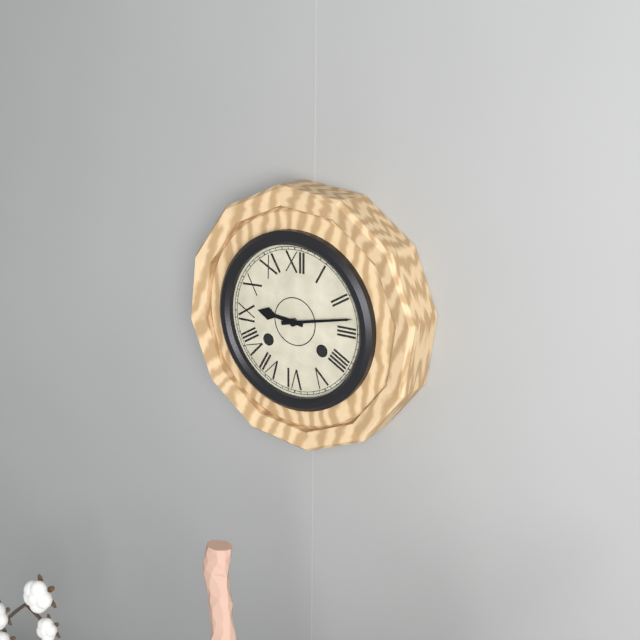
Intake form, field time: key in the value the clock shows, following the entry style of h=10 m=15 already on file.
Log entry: h=9 m=13
